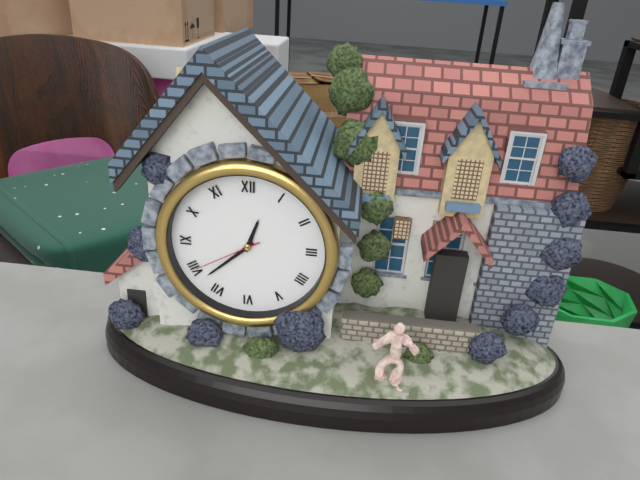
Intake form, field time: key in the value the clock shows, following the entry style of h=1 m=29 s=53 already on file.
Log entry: h=12 m=38 s=40
